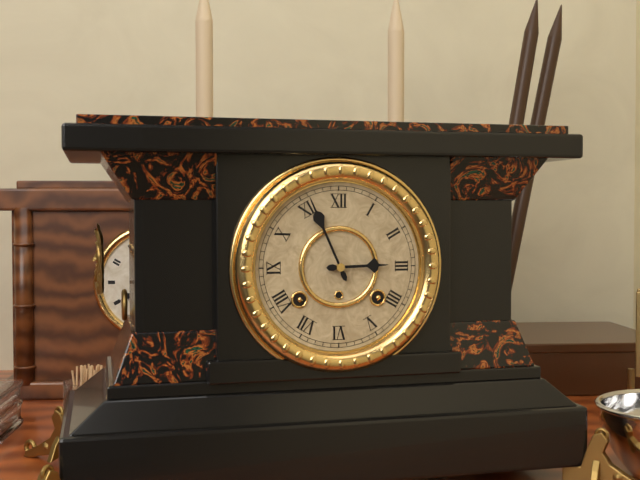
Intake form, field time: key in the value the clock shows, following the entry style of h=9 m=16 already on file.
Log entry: h=2 m=56
